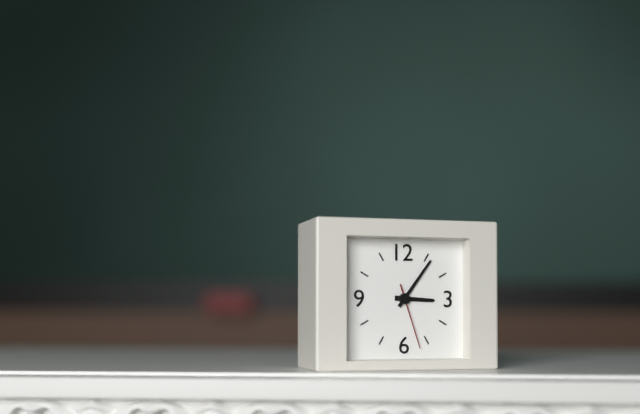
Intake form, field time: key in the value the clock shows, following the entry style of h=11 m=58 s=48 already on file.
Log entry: h=3 m=6 s=27
